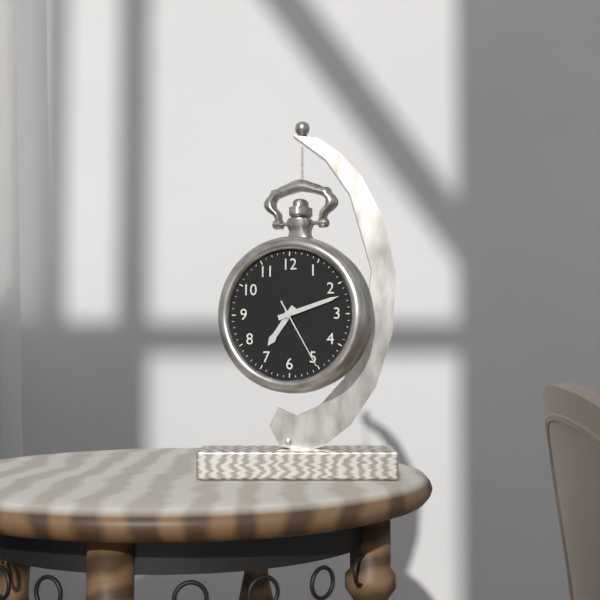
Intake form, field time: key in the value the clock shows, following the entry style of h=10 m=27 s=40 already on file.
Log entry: h=7 m=12 s=25
